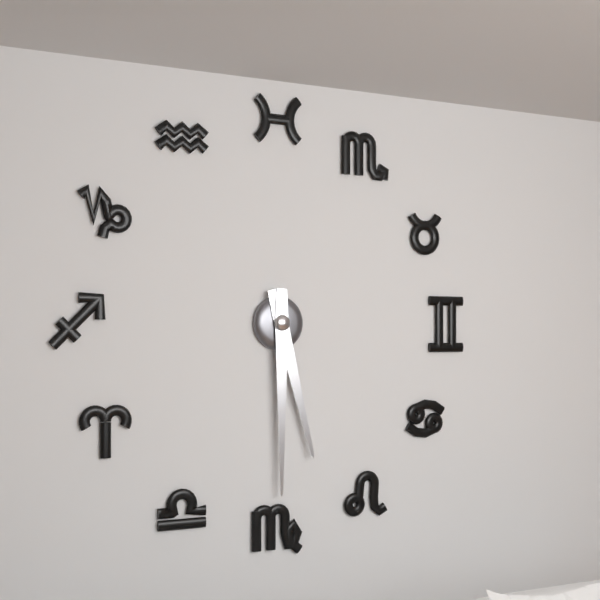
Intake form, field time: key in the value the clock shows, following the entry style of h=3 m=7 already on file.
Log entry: h=5 m=30
